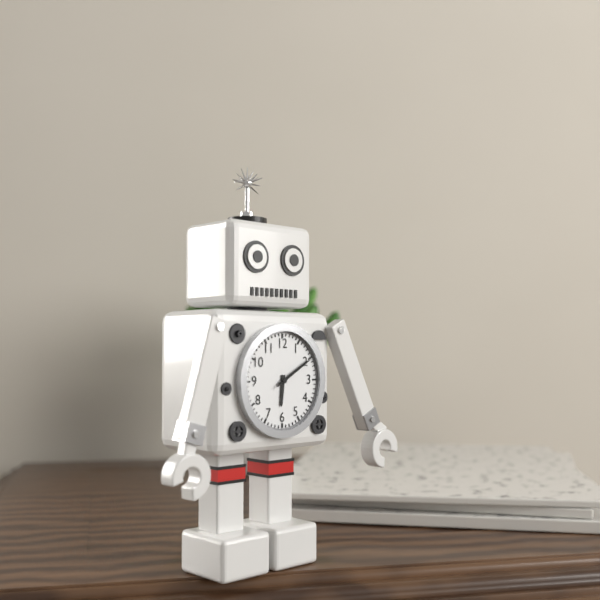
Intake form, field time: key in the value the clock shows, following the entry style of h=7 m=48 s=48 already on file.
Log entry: h=6 m=10 s=10
